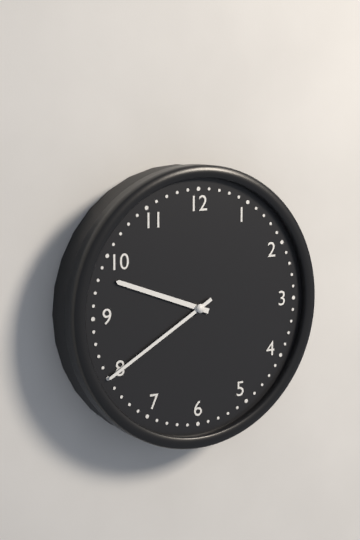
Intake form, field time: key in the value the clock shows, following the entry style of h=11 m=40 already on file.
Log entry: h=9 m=40
